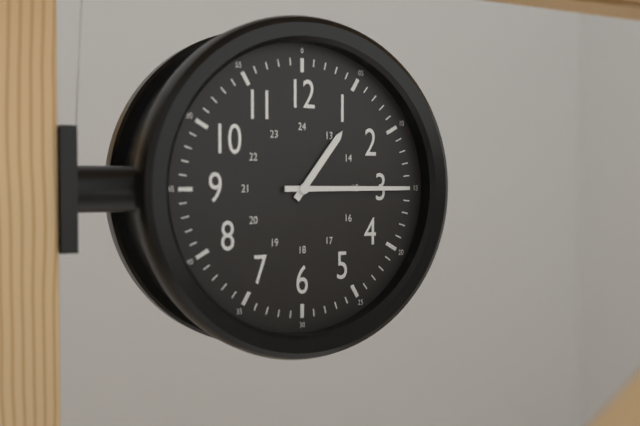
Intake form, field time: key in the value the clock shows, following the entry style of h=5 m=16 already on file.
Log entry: h=1 m=15
